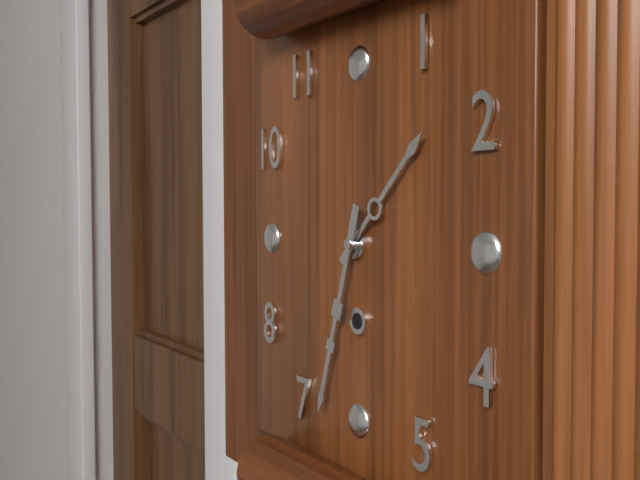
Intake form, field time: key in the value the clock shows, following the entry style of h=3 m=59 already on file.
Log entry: h=1 m=33
